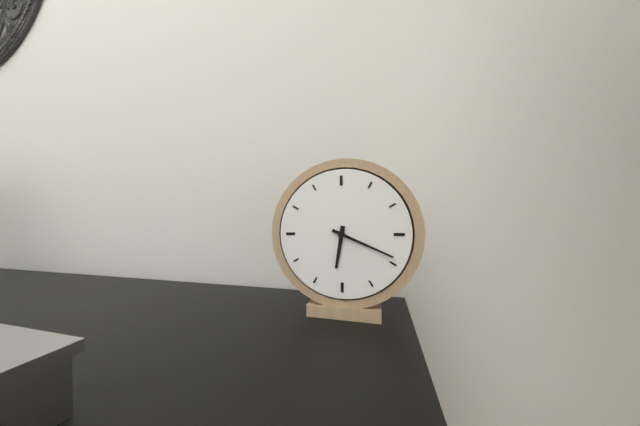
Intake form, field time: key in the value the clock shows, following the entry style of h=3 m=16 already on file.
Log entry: h=6 m=19
